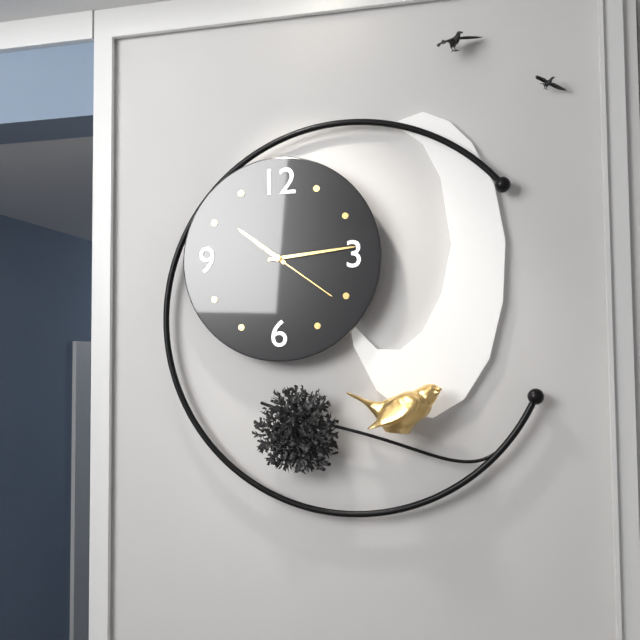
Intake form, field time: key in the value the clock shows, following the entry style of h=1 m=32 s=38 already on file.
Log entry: h=10 m=14 s=21
